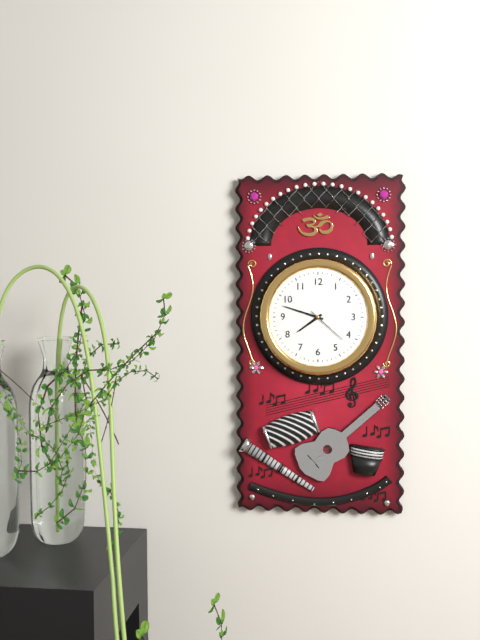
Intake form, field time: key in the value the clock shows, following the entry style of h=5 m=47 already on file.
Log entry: h=7 m=48
